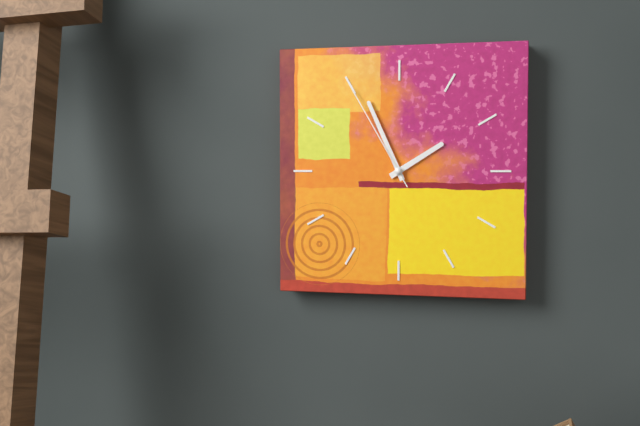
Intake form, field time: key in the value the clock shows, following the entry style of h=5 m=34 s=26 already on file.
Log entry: h=1 m=56 s=55
